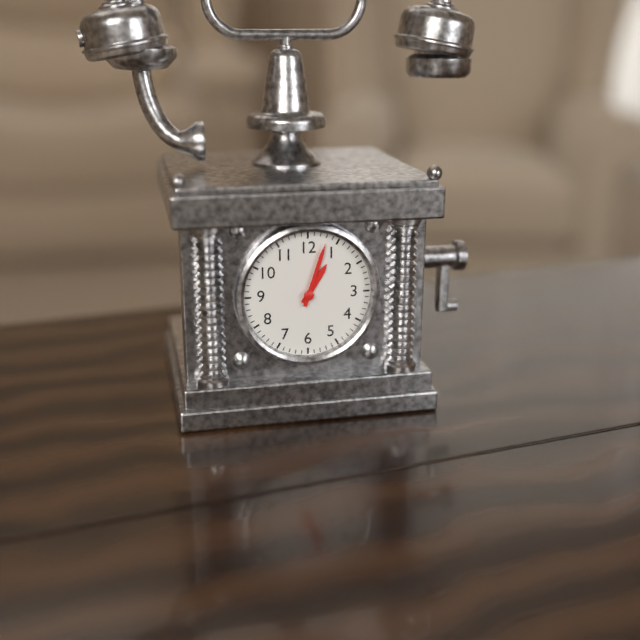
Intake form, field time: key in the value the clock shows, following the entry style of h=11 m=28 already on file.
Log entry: h=1 m=3
